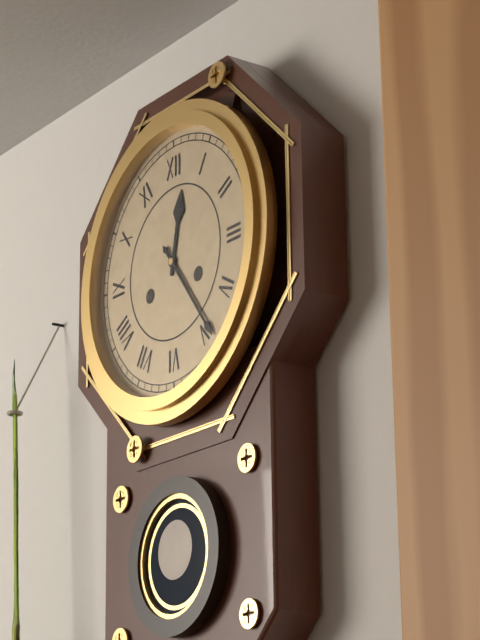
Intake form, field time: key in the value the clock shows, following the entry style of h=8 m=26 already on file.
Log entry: h=12 m=24
